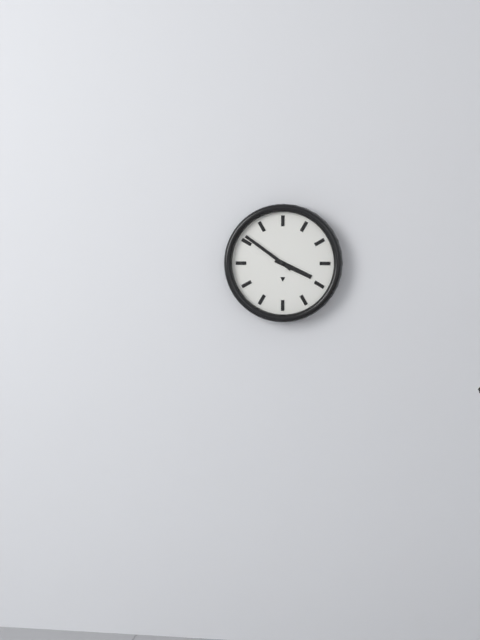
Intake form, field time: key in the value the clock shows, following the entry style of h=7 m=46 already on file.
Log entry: h=3 m=51
